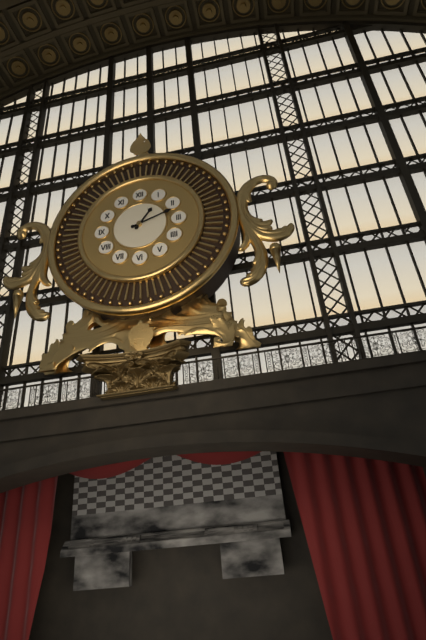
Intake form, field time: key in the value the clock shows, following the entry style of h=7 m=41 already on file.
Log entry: h=1 m=12
